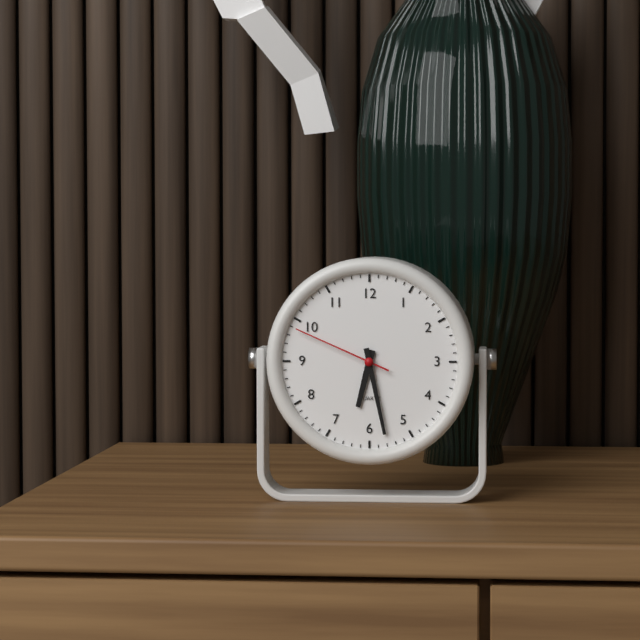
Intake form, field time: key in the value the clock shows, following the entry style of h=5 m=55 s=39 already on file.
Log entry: h=6 m=28 s=49
